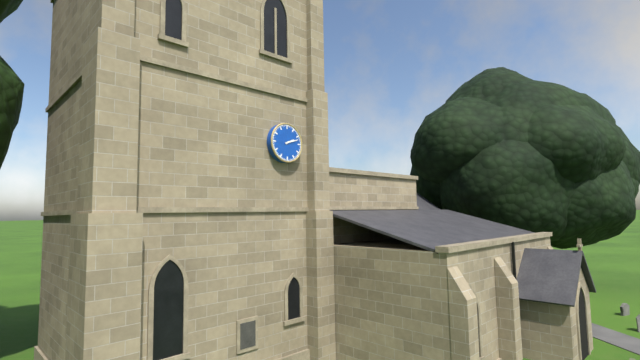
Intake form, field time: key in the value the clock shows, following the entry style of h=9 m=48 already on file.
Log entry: h=2 m=12
